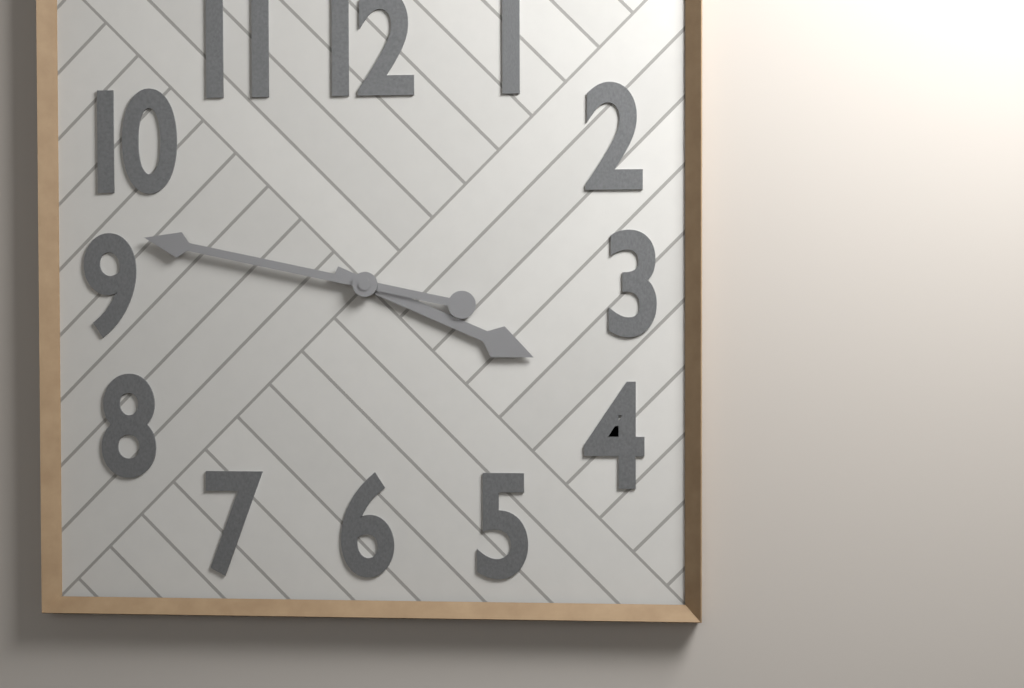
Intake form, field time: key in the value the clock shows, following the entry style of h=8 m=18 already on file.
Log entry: h=3 m=47
